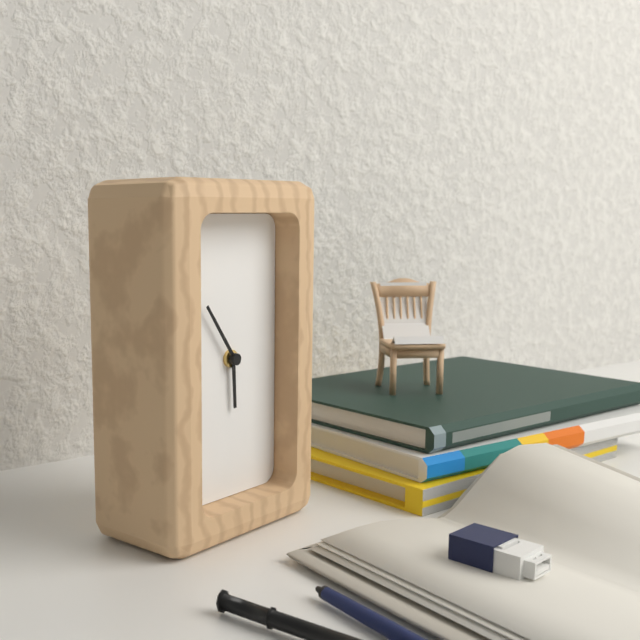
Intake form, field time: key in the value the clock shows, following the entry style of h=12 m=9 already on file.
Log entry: h=5 m=54
